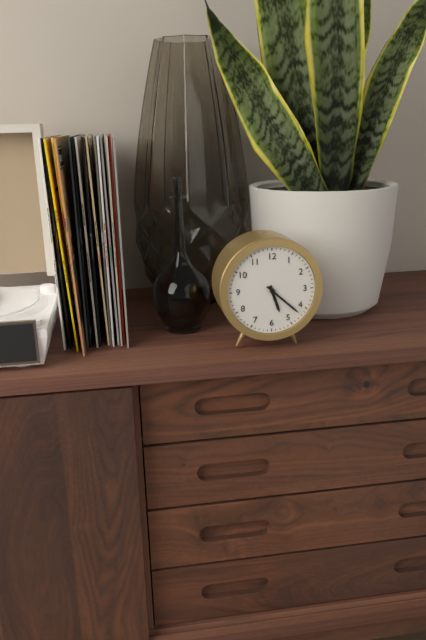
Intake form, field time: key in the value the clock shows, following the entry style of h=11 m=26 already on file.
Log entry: h=5 m=22
